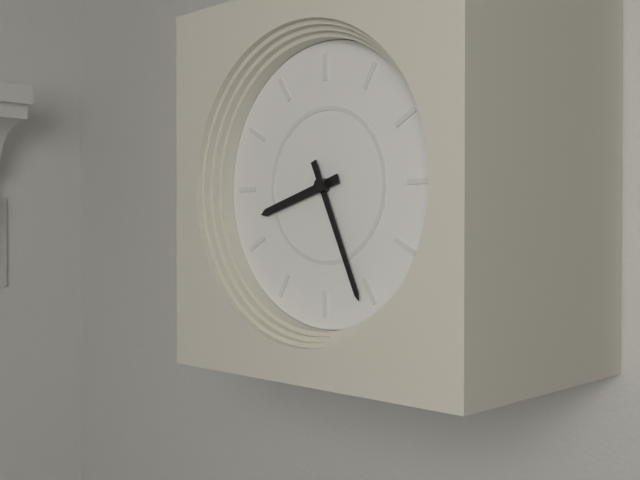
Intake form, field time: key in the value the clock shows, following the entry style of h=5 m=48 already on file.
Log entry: h=8 m=26
